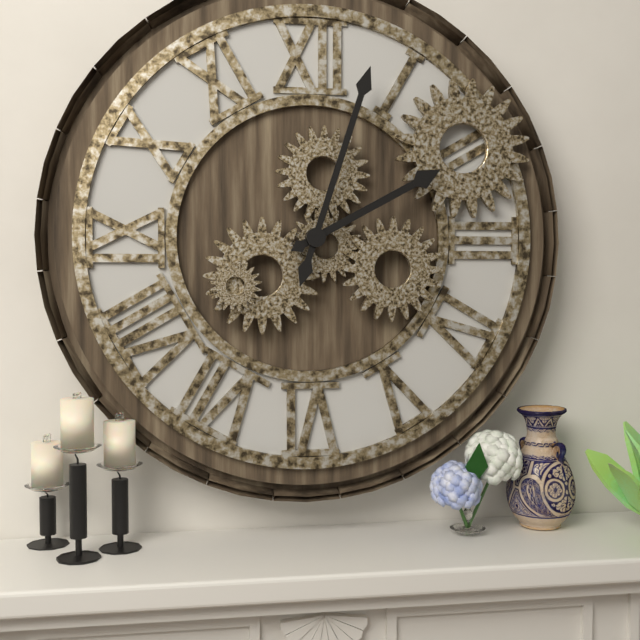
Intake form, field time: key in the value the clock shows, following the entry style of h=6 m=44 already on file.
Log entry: h=2 m=3
